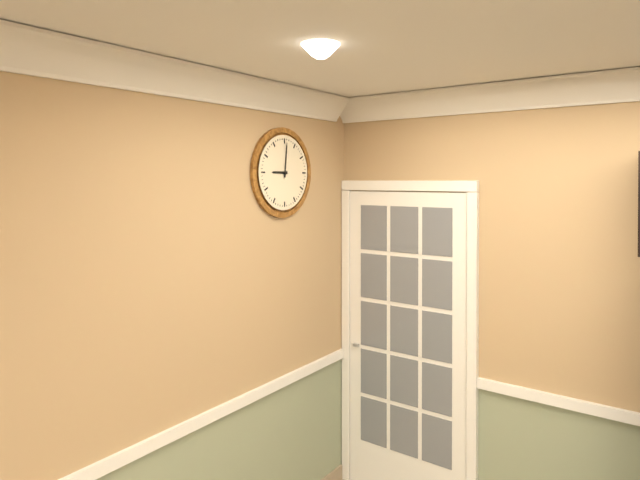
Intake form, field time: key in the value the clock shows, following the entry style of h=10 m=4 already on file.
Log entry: h=9 m=1
